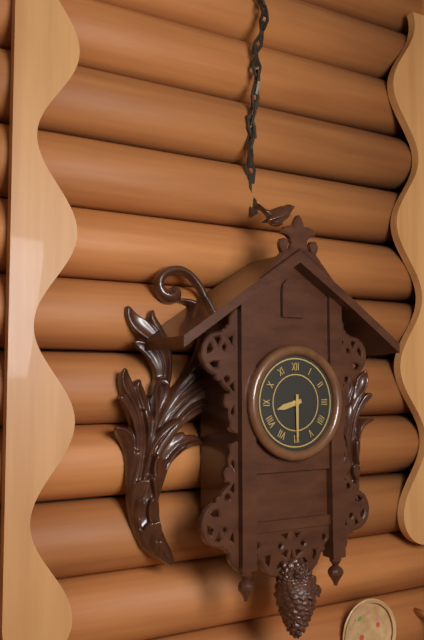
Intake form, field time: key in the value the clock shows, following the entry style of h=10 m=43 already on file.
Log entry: h=8 m=30
